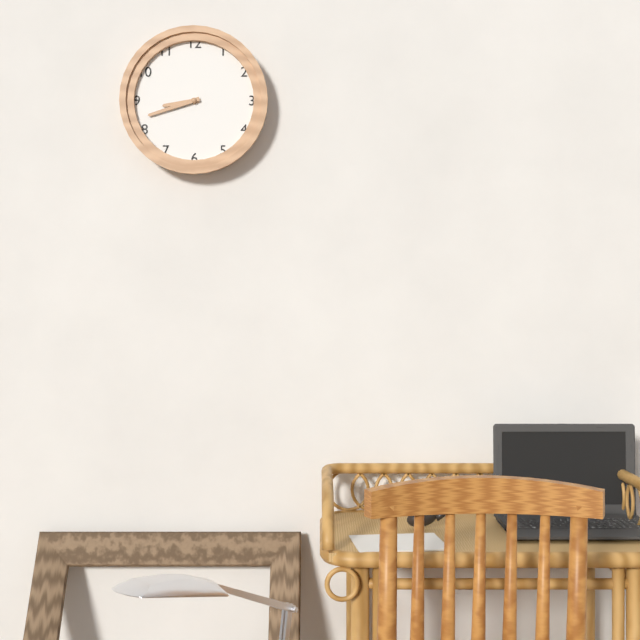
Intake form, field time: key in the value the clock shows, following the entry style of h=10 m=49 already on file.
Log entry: h=8 m=42
